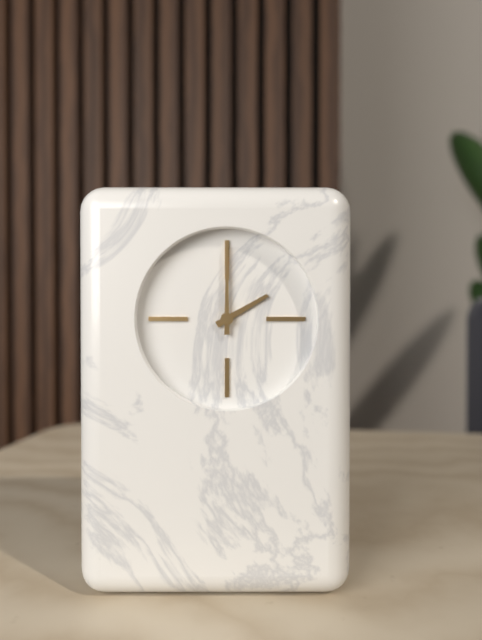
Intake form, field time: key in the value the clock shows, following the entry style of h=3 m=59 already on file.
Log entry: h=2 m=0
